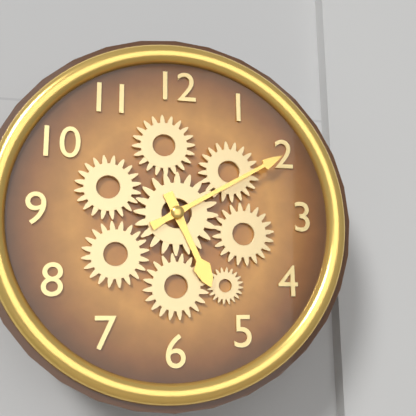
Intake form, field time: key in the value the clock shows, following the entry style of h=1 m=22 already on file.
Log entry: h=5 m=10
